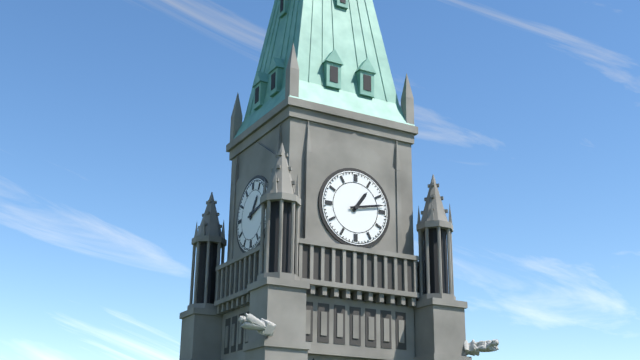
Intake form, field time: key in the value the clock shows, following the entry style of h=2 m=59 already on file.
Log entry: h=1 m=13
